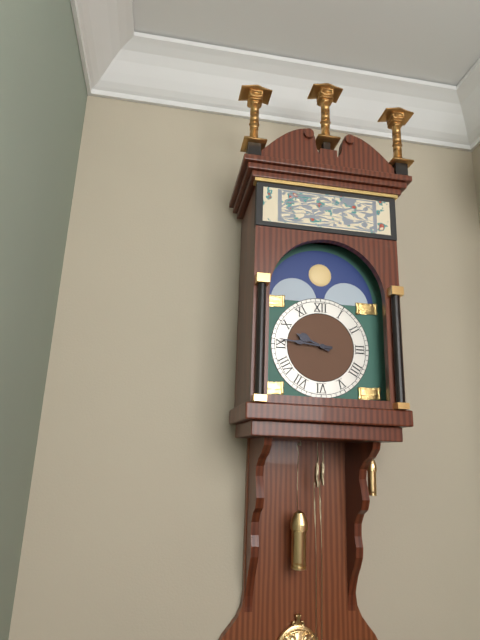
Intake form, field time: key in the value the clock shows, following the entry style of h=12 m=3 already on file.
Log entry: h=9 m=46
